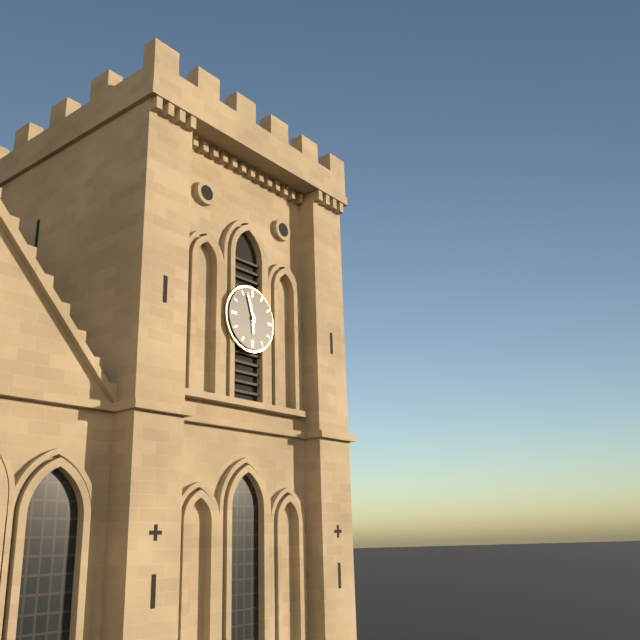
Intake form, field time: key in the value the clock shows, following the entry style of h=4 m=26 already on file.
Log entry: h=5 m=57
